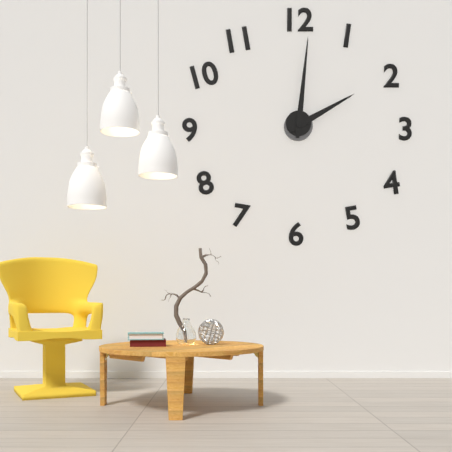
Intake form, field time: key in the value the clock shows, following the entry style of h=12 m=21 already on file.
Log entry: h=2 m=1
